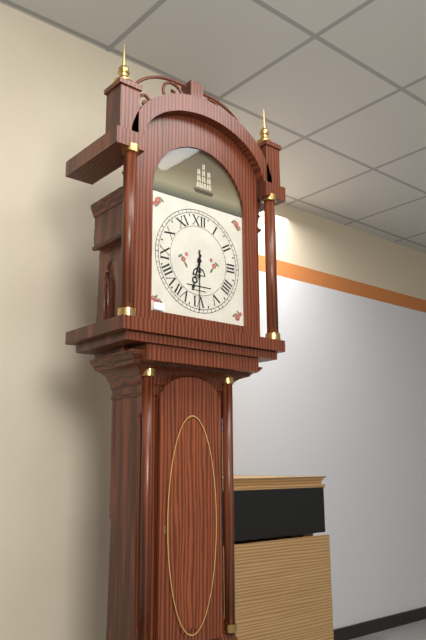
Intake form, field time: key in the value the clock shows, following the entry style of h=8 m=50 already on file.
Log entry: h=6 m=30
